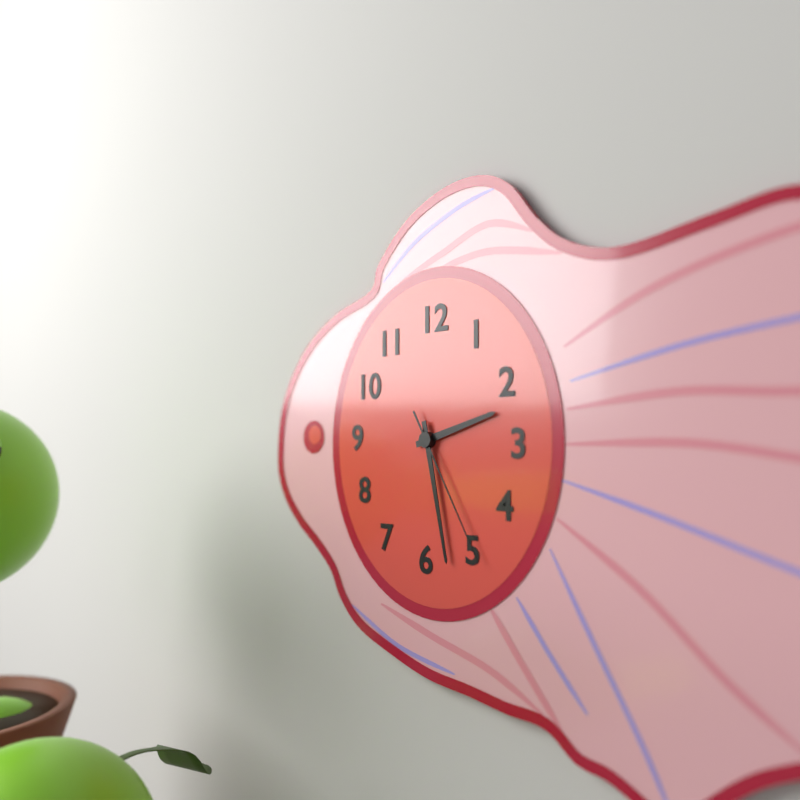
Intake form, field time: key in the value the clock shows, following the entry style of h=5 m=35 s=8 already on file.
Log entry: h=2 m=28 s=25
